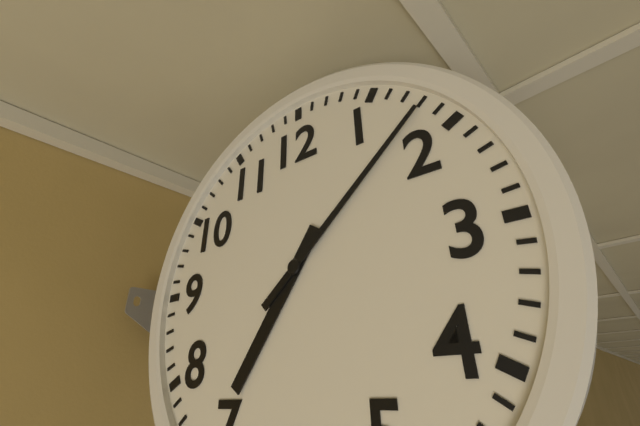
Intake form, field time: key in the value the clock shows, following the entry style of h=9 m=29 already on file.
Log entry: h=7 m=8
